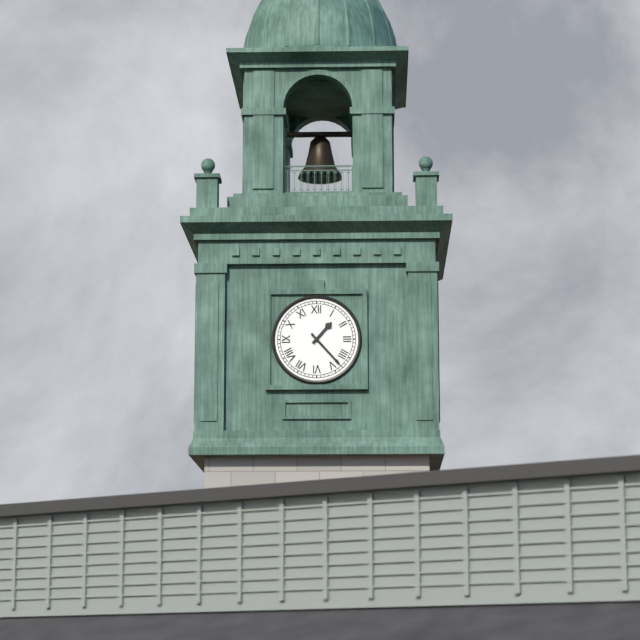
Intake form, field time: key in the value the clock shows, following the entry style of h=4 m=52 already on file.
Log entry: h=1 m=23
